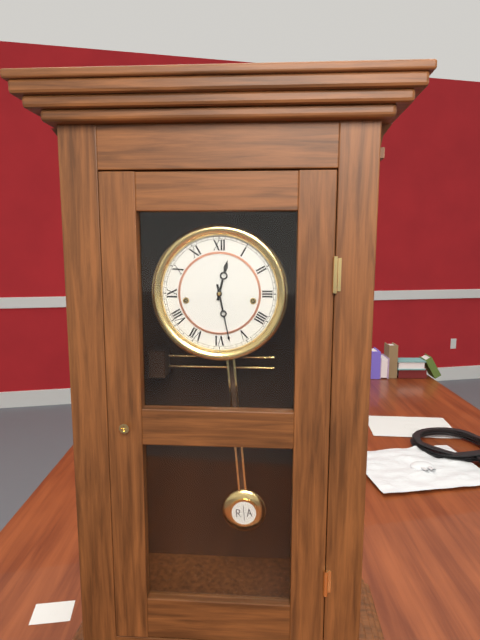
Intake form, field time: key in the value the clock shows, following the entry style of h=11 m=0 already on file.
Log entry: h=12 m=28
